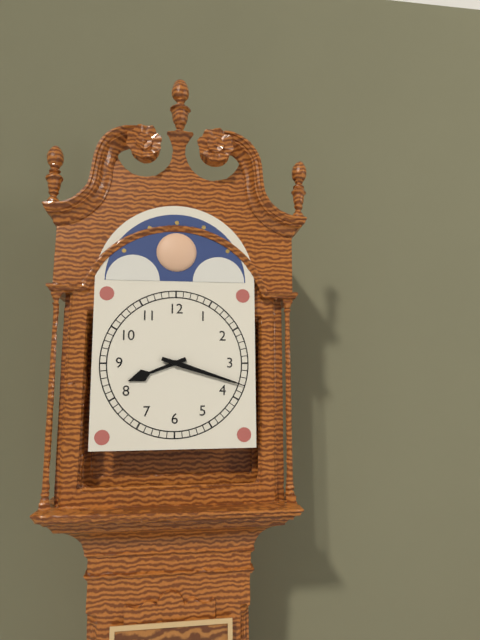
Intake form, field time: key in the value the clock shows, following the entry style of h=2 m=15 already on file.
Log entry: h=8 m=18
